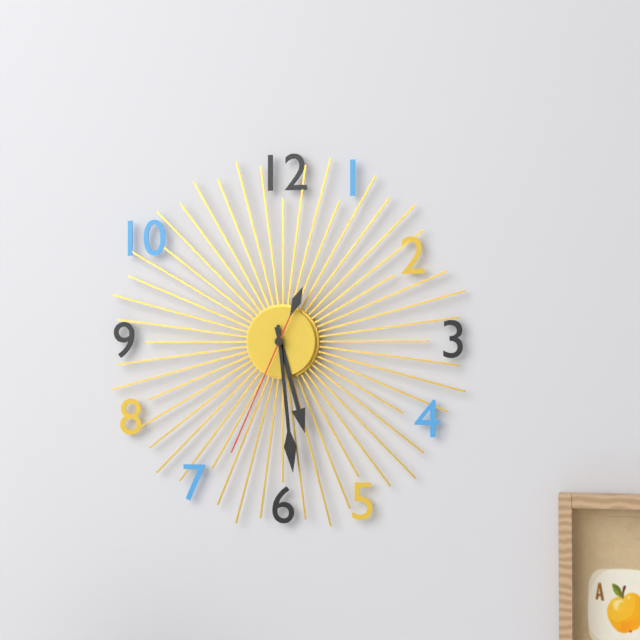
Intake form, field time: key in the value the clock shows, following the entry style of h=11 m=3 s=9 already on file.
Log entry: h=5 m=29 s=34
